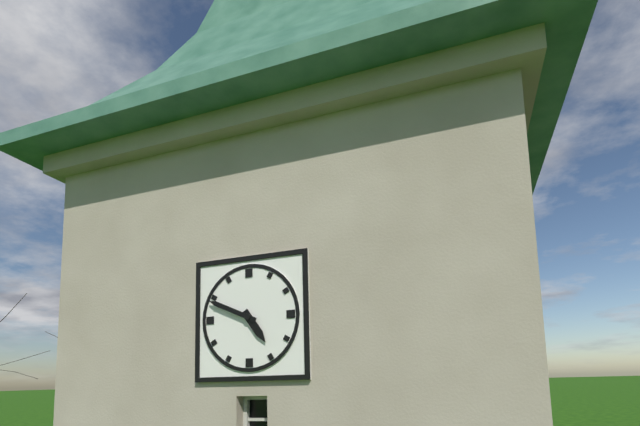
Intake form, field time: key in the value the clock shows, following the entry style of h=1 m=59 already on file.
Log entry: h=4 m=49
